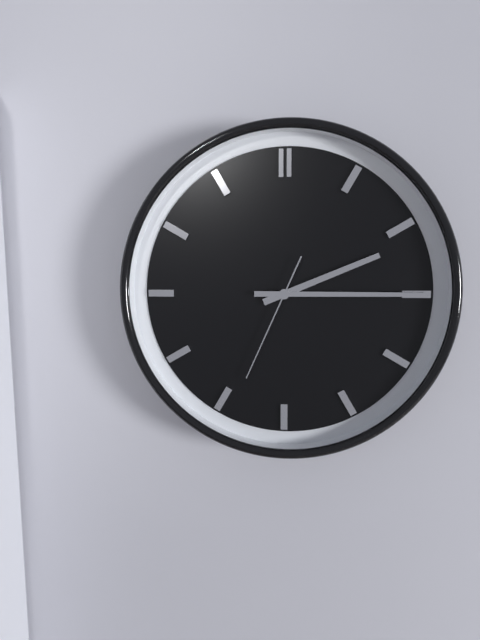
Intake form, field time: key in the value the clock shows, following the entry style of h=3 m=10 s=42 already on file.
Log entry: h=2 m=15 s=34
